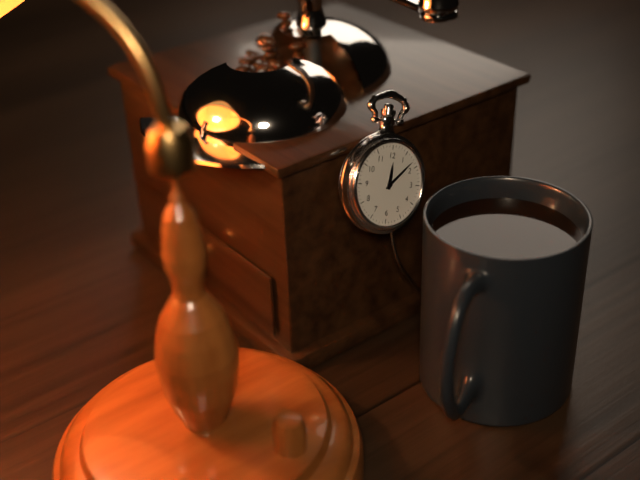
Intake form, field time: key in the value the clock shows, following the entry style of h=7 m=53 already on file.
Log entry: h=12 m=8
